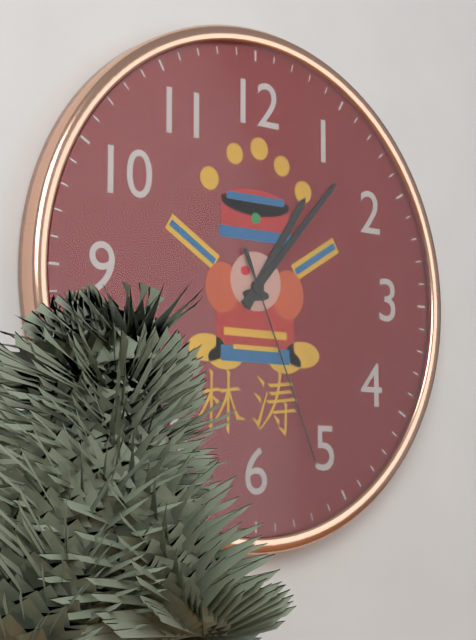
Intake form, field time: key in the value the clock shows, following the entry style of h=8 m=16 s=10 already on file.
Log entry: h=1 m=7 s=26
